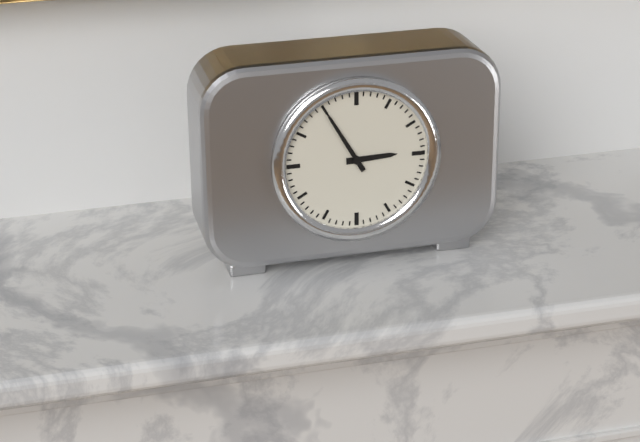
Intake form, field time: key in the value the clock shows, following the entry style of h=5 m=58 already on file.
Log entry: h=2 m=55
